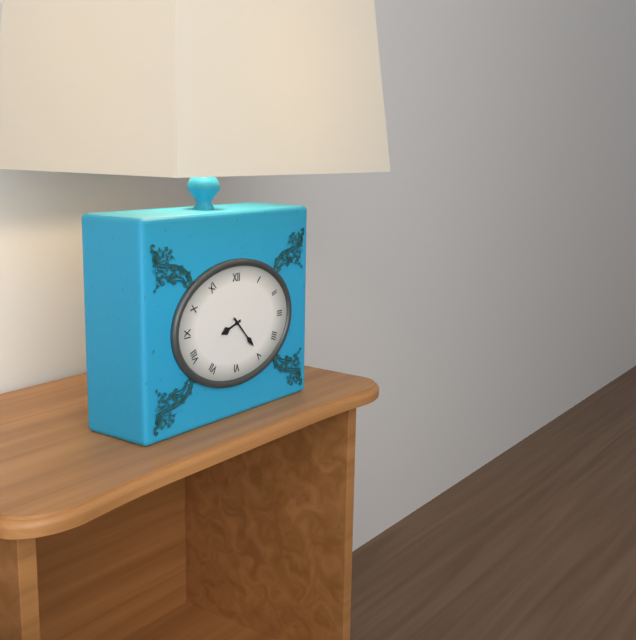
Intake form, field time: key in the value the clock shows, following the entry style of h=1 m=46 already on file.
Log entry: h=8 m=23
